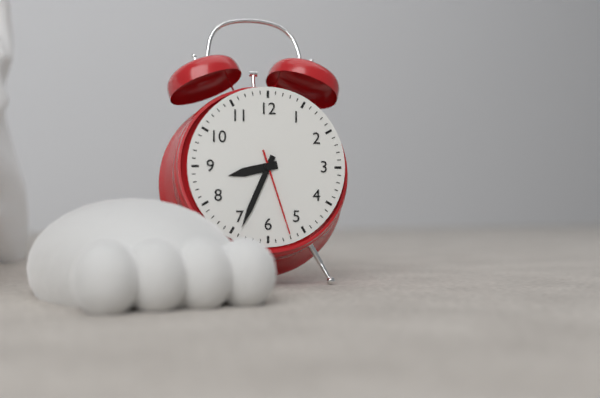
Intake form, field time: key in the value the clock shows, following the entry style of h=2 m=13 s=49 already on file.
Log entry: h=8 m=34 s=27
